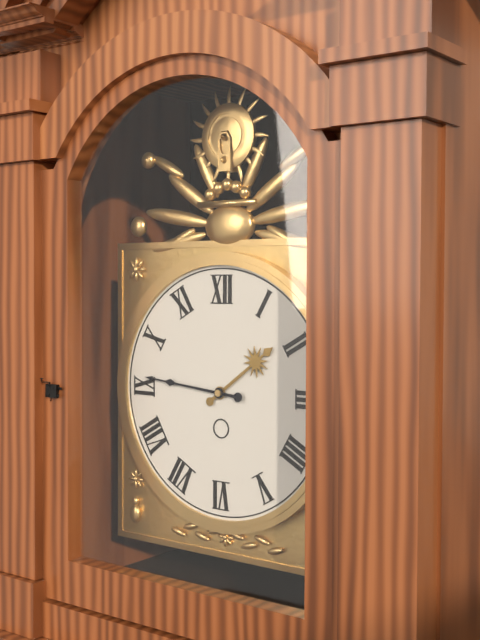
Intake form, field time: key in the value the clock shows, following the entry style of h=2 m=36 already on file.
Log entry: h=1 m=46
